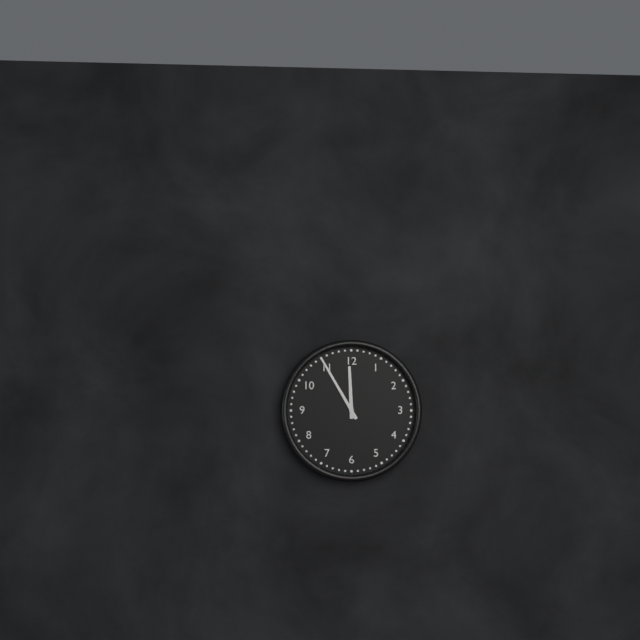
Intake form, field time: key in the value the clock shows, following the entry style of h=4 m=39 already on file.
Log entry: h=11 m=55
